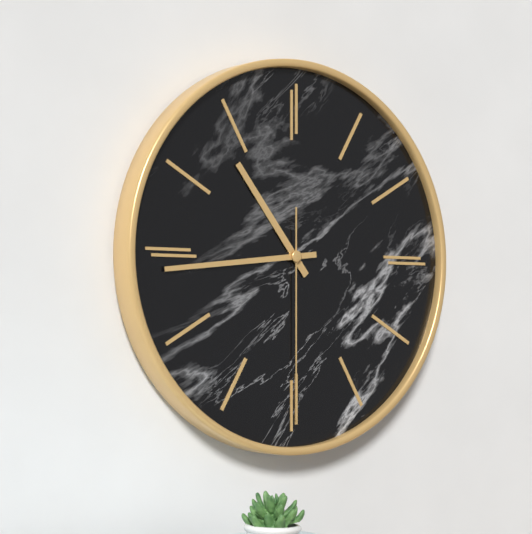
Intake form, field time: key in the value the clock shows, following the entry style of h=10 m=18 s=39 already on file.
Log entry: h=10 m=44 s=30
